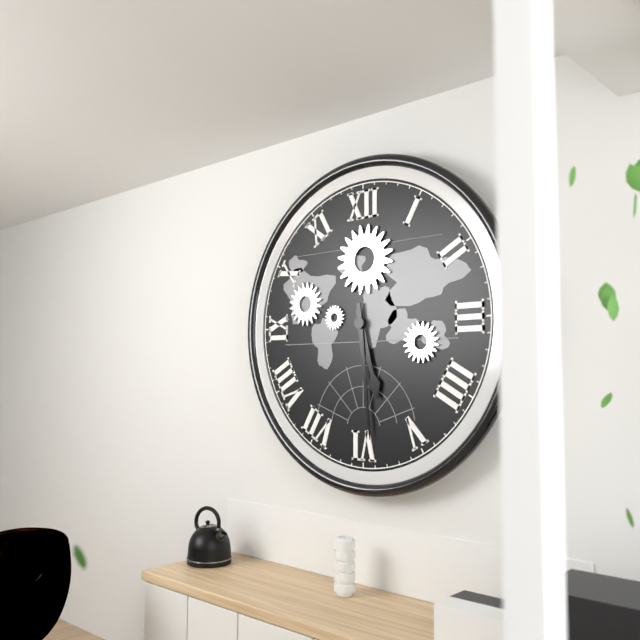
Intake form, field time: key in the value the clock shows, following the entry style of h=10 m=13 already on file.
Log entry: h=5 m=29
